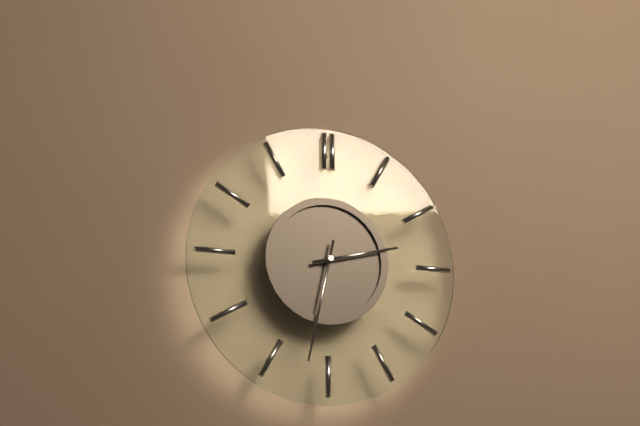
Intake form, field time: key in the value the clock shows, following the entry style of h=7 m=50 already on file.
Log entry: h=2 m=32
